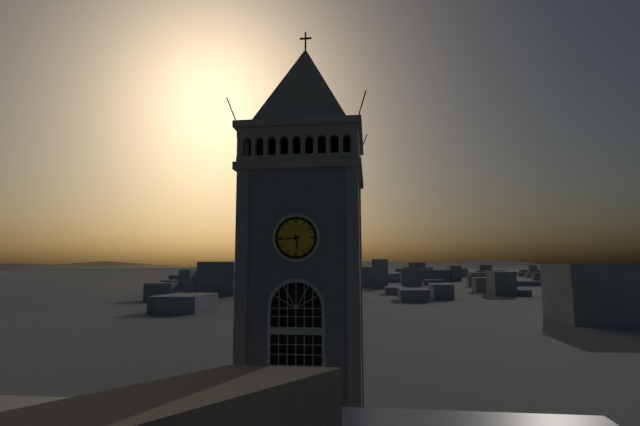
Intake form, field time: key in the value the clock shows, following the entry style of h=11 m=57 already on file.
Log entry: h=5 m=44
